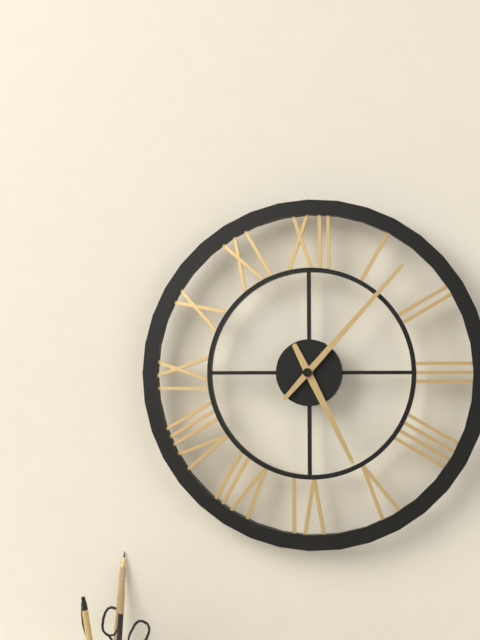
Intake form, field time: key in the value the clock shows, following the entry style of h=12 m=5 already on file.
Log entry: h=5 m=7
